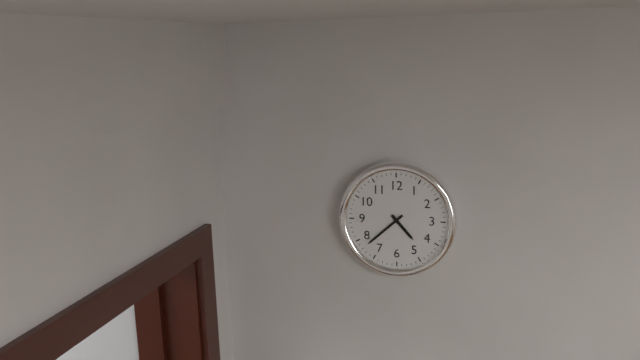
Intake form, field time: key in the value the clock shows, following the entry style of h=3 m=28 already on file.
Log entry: h=4 m=38
